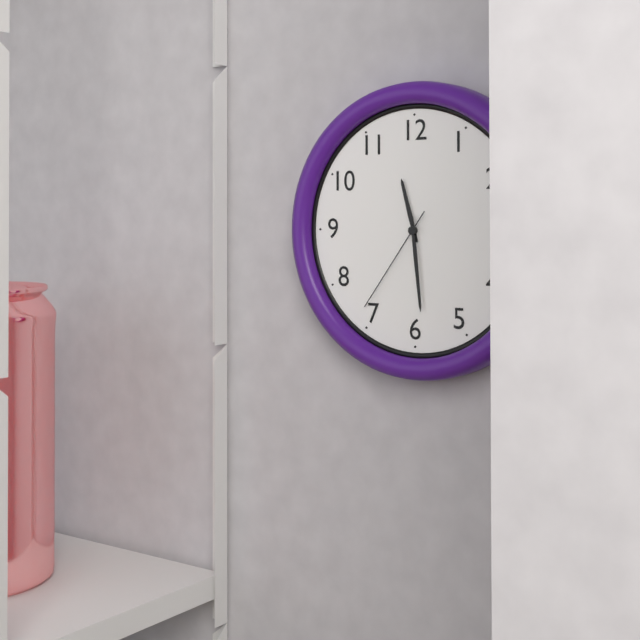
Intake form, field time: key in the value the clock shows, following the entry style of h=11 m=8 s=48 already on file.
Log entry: h=11 m=29 s=36
